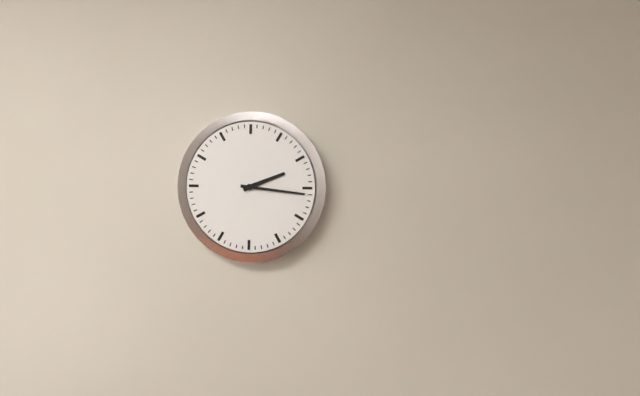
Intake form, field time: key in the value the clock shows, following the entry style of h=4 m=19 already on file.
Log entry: h=2 m=16
